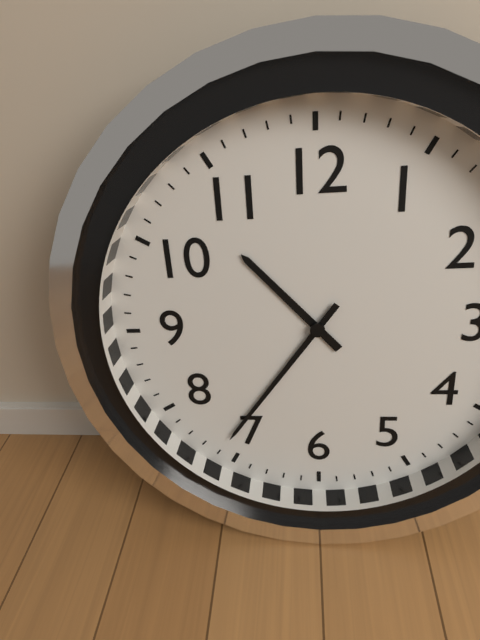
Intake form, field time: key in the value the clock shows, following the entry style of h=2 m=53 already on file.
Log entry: h=10 m=36
